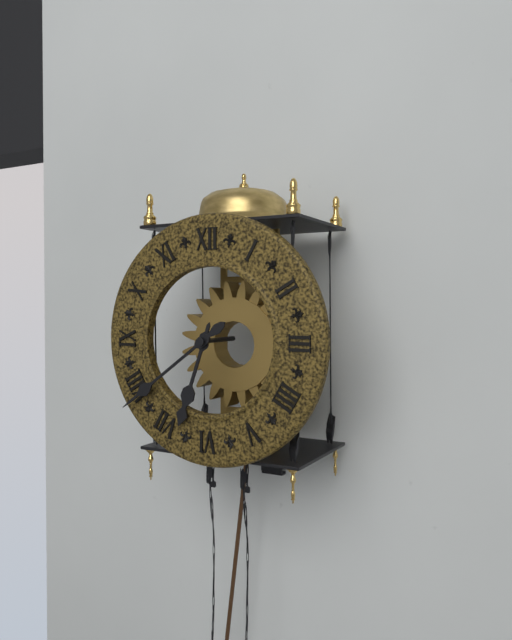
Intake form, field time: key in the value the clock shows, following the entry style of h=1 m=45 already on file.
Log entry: h=6 m=39
